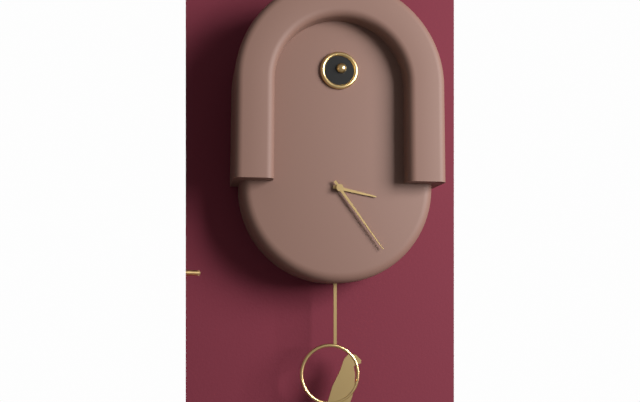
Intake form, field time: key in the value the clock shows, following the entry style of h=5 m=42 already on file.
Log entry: h=3 m=24
